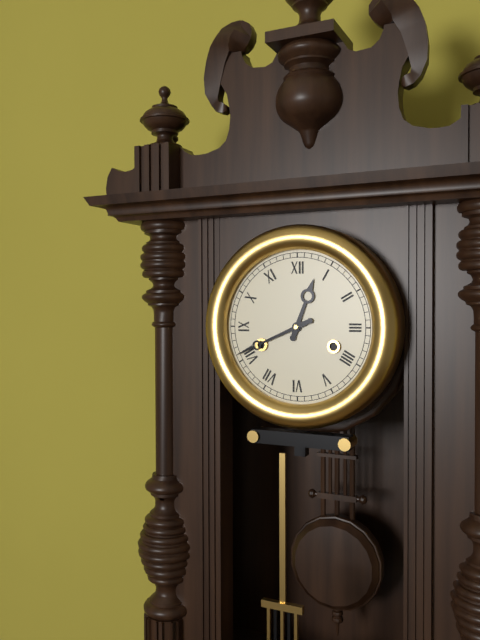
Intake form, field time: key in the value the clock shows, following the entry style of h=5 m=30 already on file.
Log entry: h=12 m=41
